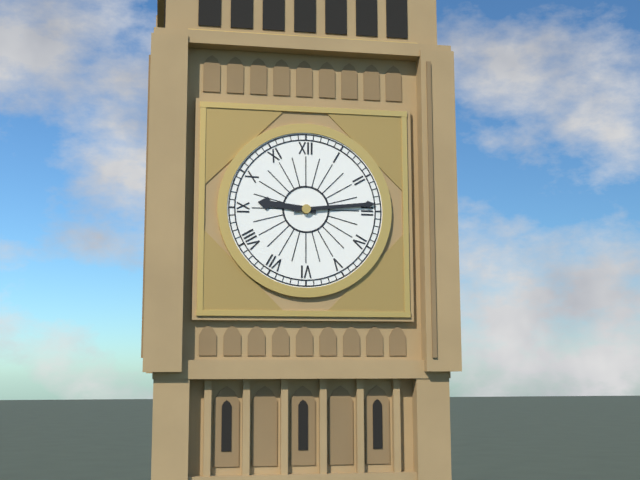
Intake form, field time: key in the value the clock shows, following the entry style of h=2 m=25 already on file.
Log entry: h=9 m=14
